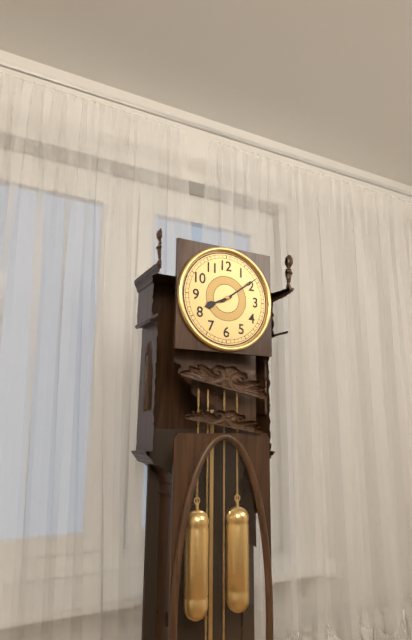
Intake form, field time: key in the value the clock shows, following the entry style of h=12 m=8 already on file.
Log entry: h=8 m=9
